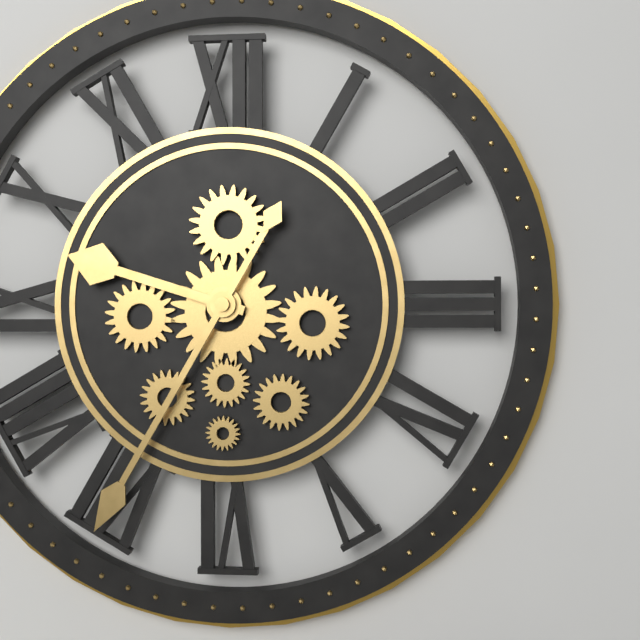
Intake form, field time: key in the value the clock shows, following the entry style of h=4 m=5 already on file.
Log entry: h=9 m=35
